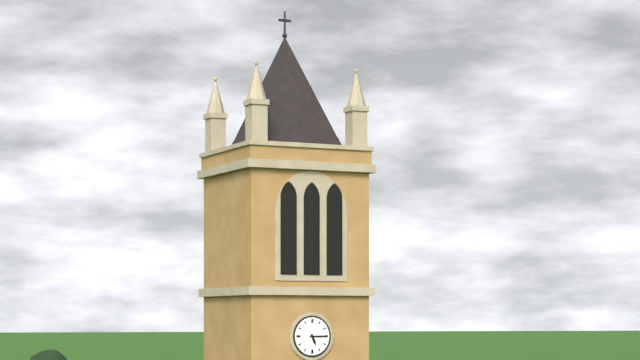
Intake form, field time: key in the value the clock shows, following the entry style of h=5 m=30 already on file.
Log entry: h=5 m=15
